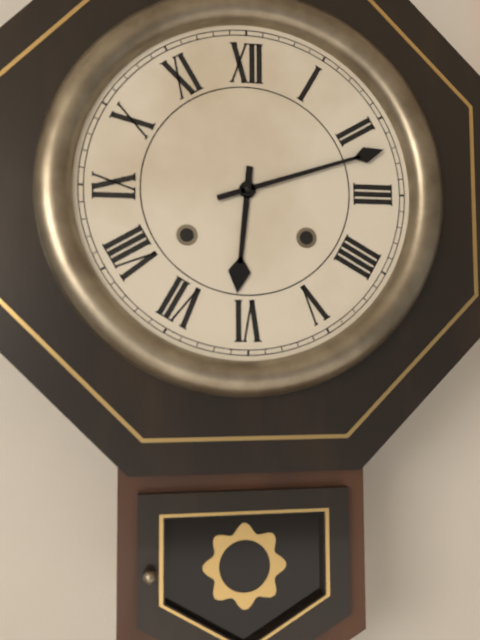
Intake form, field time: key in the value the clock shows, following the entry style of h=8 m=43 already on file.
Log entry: h=6 m=12
